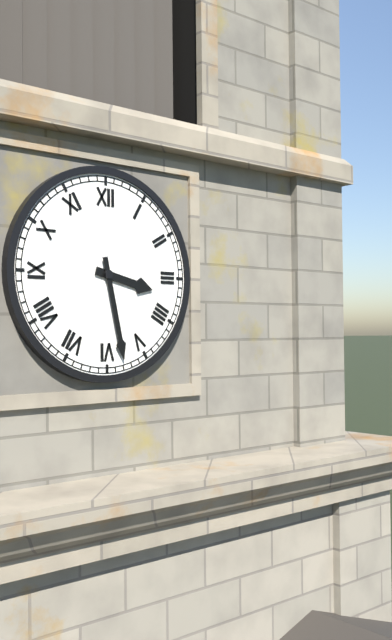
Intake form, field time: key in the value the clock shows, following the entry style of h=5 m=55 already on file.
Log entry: h=3 m=28
